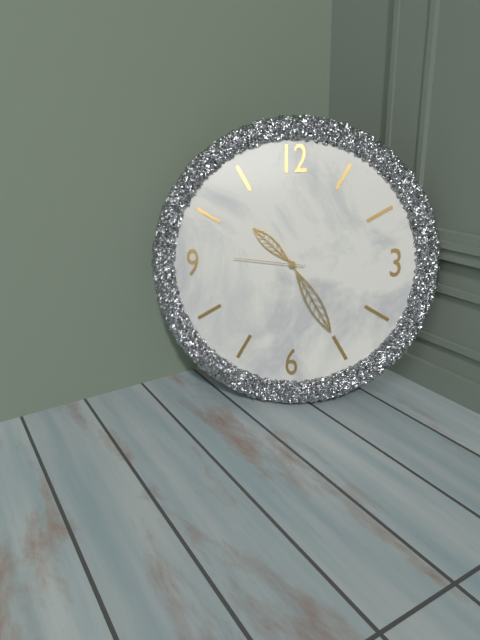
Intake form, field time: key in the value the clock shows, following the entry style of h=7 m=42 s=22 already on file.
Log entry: h=10 m=25 s=46
